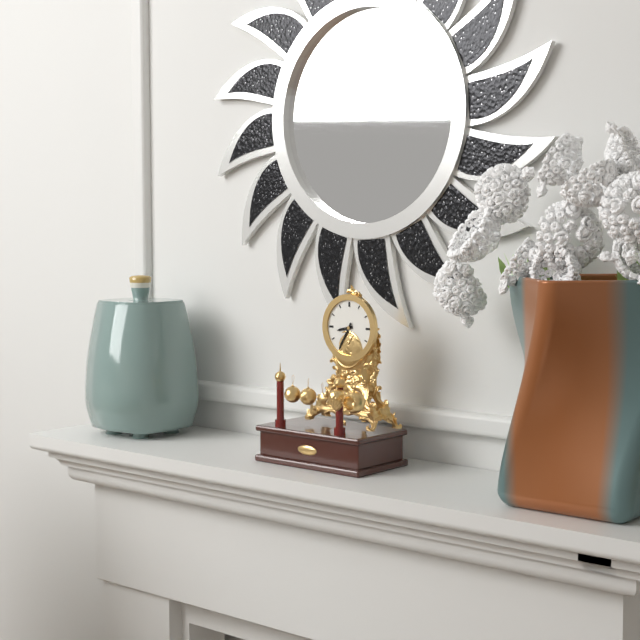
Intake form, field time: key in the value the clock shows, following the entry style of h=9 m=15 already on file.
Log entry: h=8 m=35
